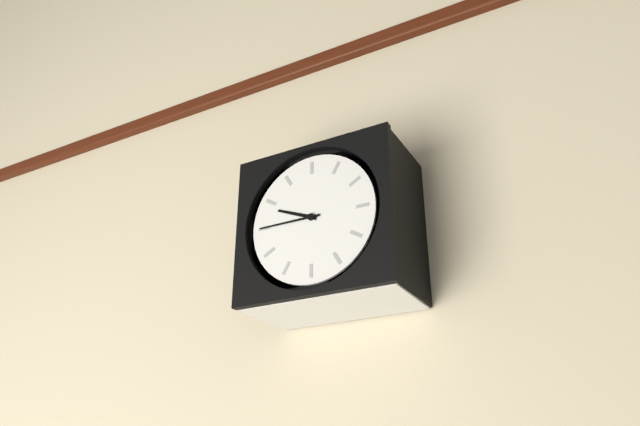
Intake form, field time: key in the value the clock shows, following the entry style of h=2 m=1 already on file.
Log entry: h=9 m=45
